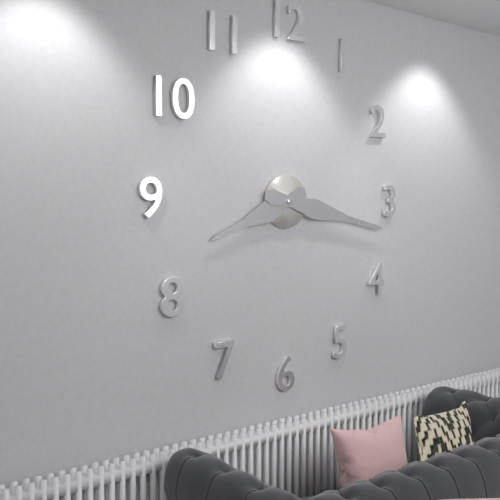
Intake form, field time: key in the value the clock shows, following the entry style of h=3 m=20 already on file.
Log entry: h=8 m=17
